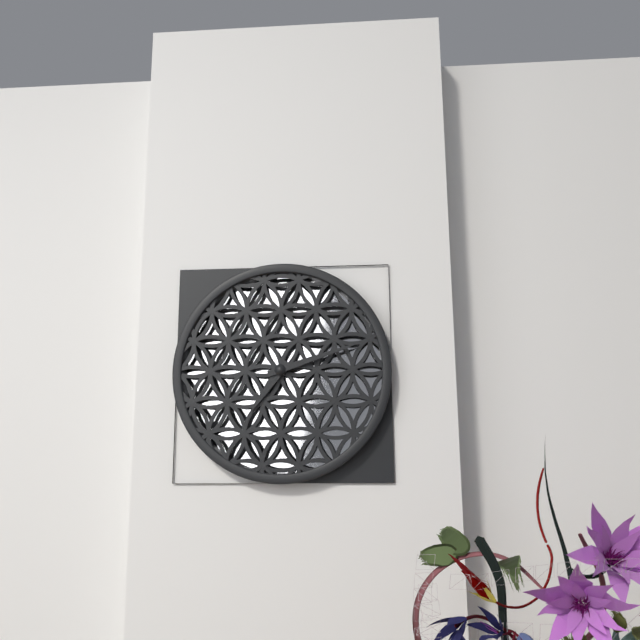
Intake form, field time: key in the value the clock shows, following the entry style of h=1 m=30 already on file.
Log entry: h=7 m=12
